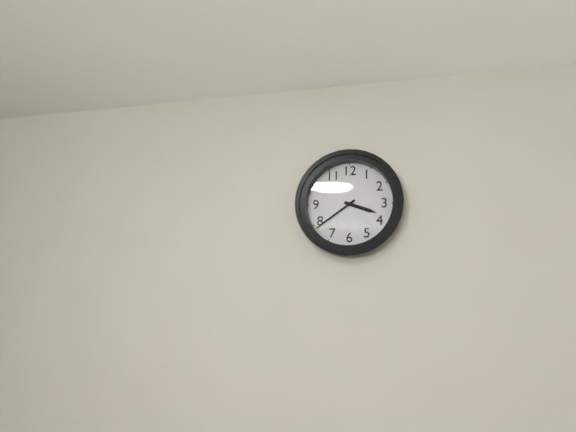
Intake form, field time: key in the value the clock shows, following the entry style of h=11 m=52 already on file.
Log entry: h=3 m=39
